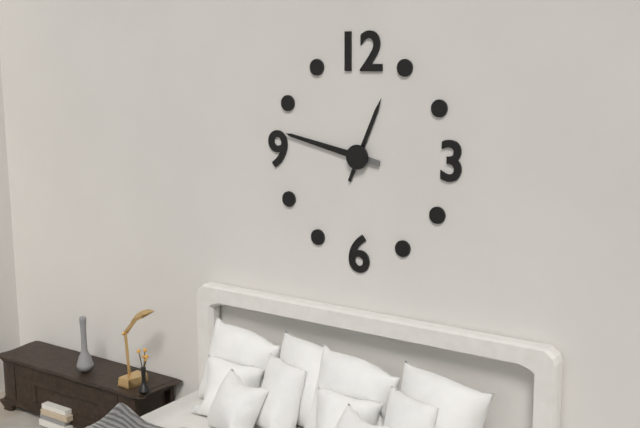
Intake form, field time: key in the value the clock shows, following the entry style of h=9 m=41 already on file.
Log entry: h=12 m=47
